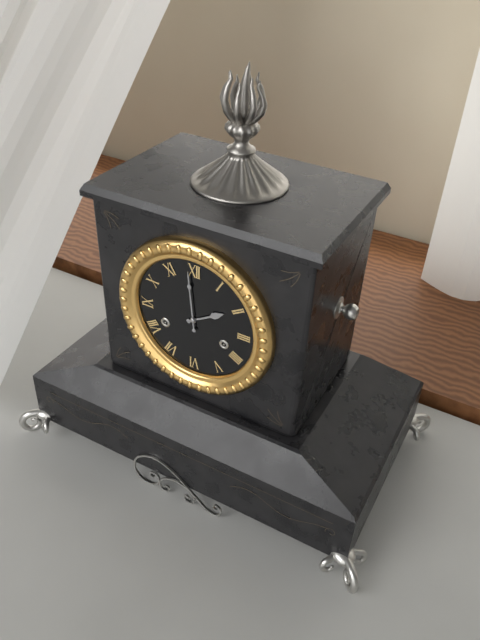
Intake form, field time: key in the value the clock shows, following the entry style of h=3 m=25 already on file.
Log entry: h=1 m=59
